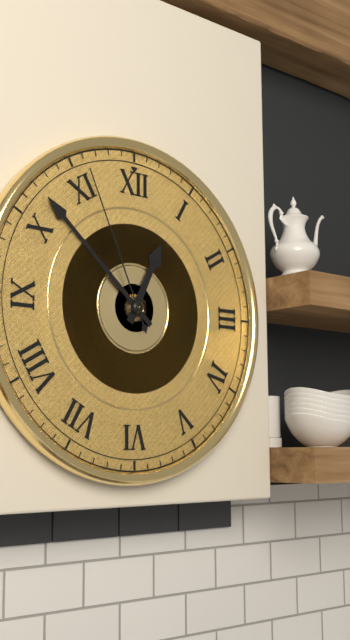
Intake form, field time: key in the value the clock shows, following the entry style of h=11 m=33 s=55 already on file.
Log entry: h=12 m=52 s=56
